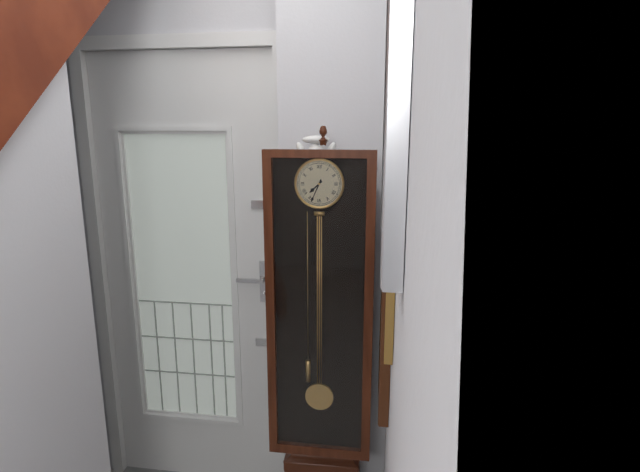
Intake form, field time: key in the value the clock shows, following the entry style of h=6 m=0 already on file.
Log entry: h=7 m=34
